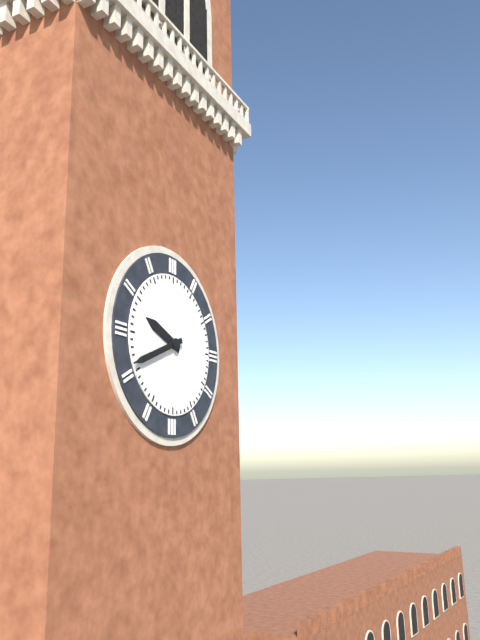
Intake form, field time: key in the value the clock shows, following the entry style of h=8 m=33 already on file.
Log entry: h=9 m=41
